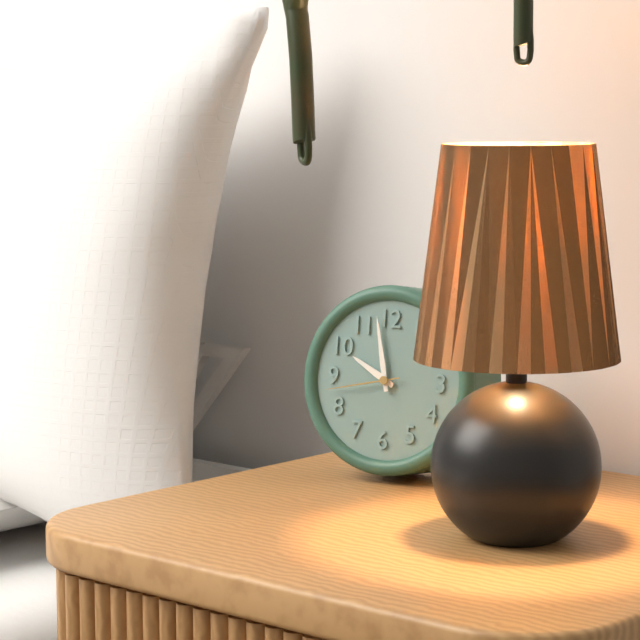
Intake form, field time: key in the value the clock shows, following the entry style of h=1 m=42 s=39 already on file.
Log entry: h=9 m=58 s=43
